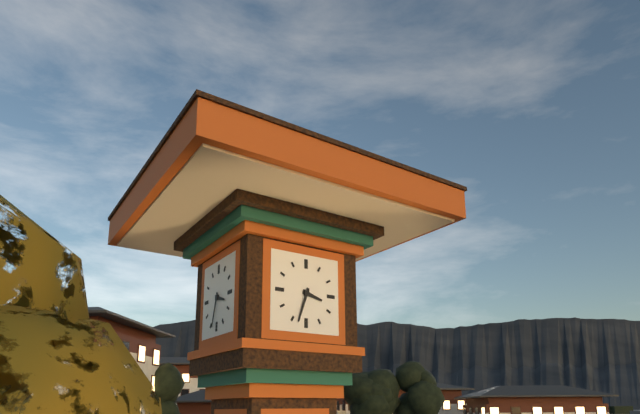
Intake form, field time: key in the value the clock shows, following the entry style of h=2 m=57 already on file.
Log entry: h=3 m=33
